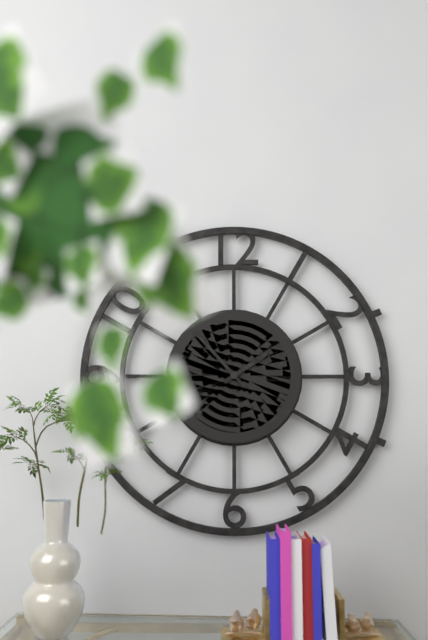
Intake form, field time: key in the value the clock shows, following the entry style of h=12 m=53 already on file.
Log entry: h=1 m=53
